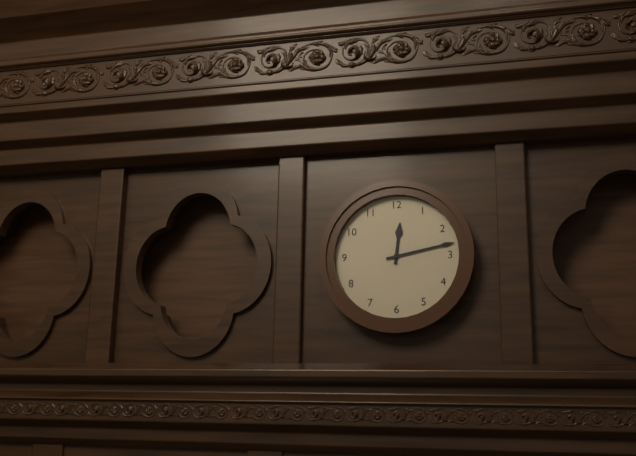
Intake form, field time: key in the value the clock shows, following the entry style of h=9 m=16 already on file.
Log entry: h=12 m=13
